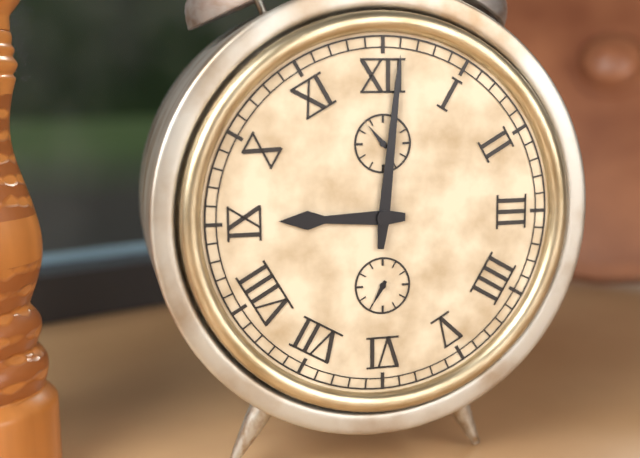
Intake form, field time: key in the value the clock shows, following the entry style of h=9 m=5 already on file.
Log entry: h=9 m=1
